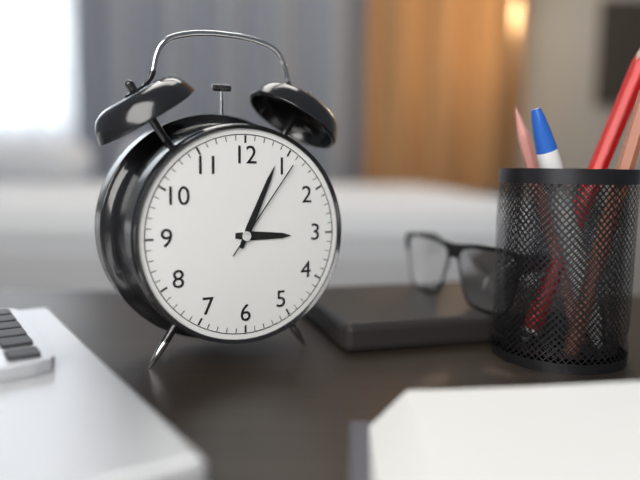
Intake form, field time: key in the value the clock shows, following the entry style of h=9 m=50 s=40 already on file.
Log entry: h=3 m=4 s=6
